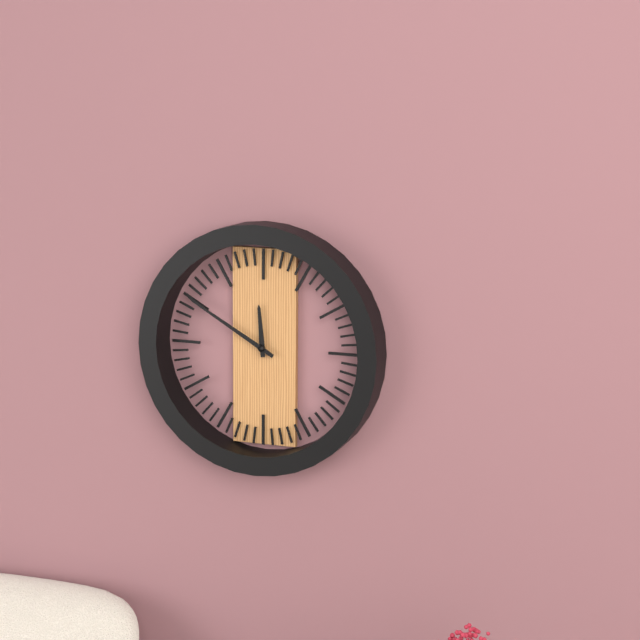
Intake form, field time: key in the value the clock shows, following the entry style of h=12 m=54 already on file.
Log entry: h=11 m=50
